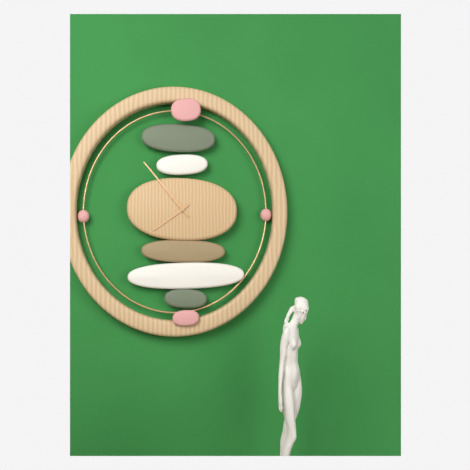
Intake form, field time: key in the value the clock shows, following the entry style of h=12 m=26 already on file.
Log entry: h=7 m=53
